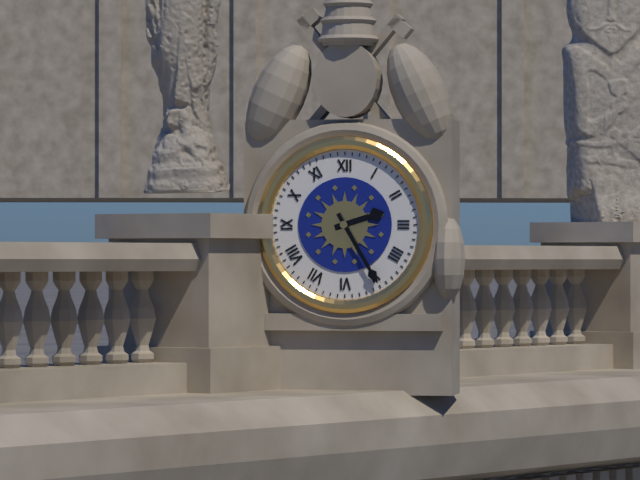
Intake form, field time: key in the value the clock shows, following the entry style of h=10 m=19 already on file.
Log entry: h=2 m=25
